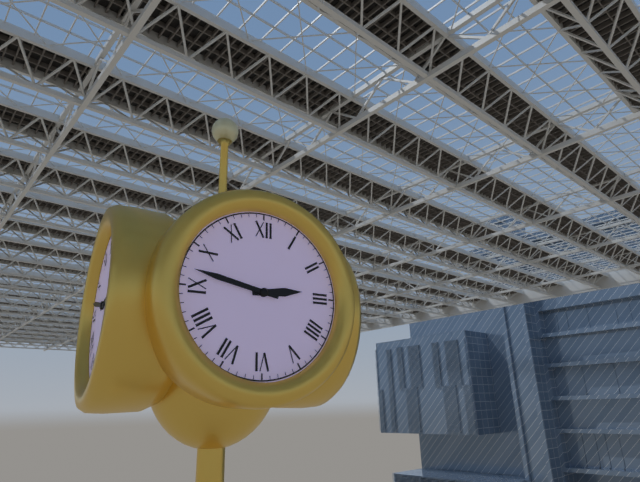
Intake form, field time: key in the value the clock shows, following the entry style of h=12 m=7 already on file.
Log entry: h=2 m=47
